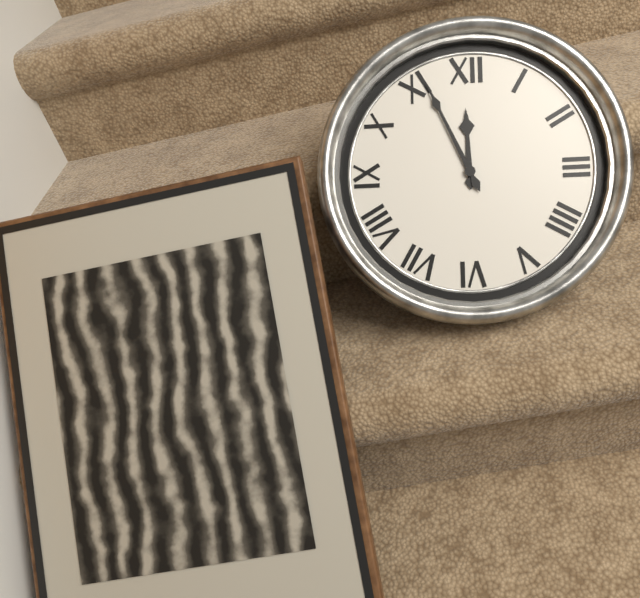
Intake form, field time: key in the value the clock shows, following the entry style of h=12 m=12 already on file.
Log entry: h=11 m=56
